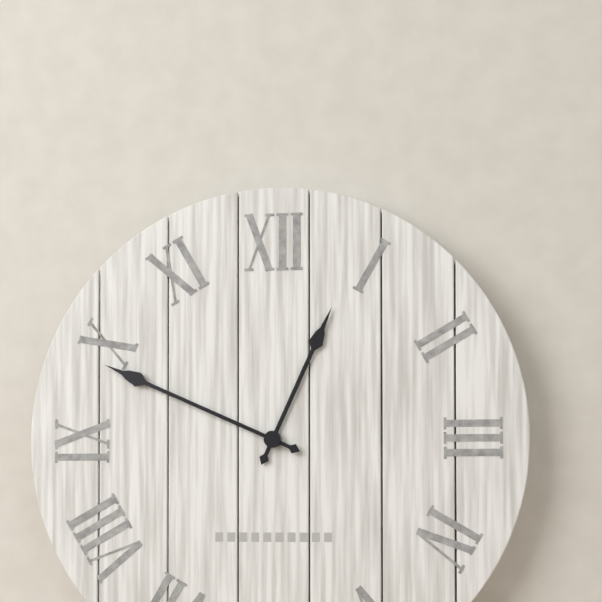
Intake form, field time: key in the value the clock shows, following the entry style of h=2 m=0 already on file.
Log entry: h=12 m=49
